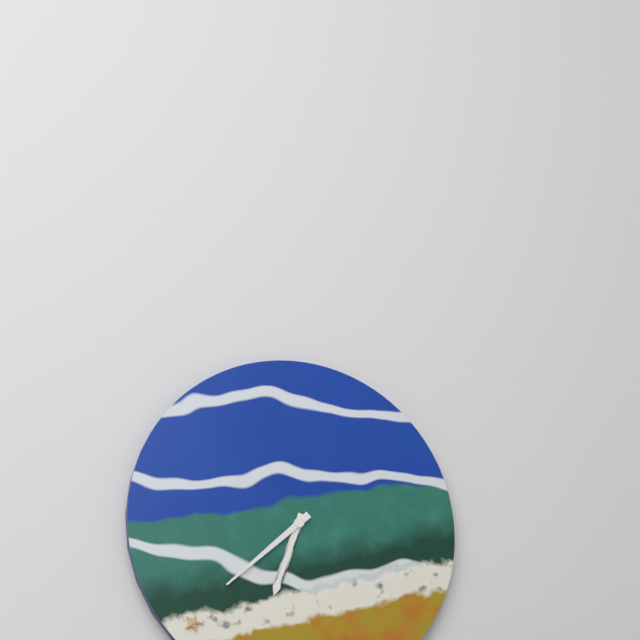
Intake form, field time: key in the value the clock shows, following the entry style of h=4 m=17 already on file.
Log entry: h=6 m=38
